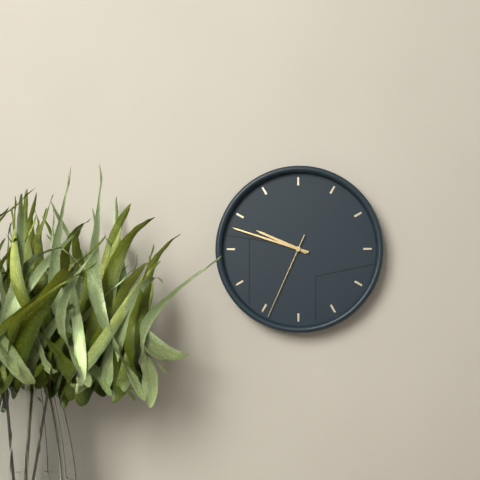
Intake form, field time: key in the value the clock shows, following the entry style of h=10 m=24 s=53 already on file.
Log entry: h=9 m=48 s=34
